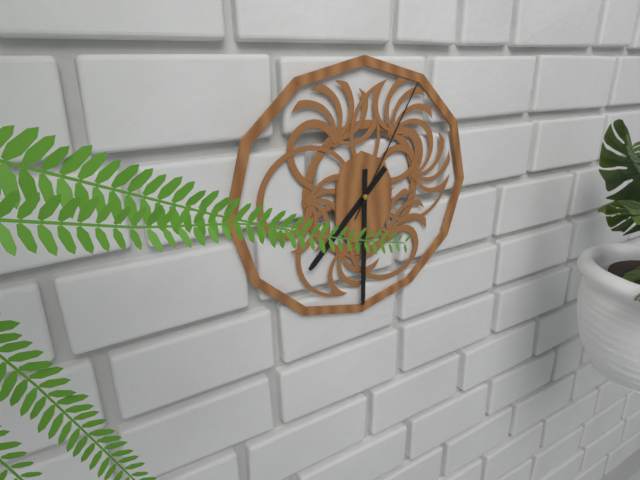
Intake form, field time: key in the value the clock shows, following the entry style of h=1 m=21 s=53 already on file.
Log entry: h=7 m=30 s=5
